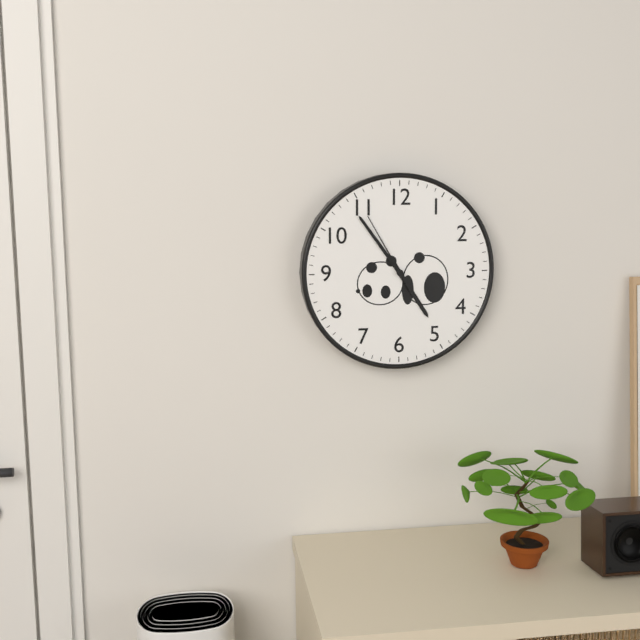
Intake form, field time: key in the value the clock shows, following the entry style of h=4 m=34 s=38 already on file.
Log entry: h=4 m=54 s=55
